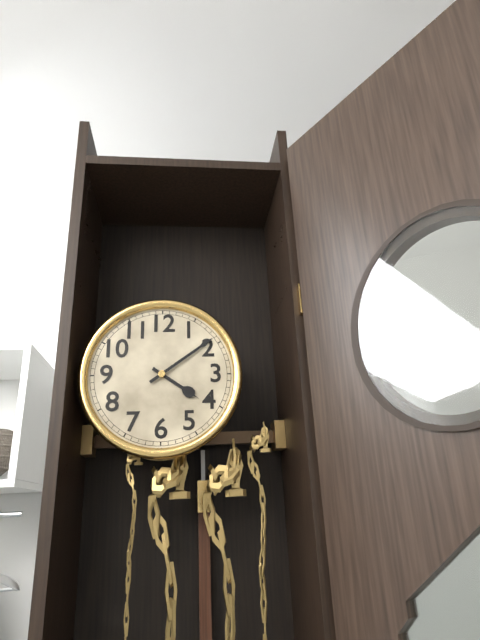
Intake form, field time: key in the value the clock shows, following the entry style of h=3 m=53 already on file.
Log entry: h=4 m=9
